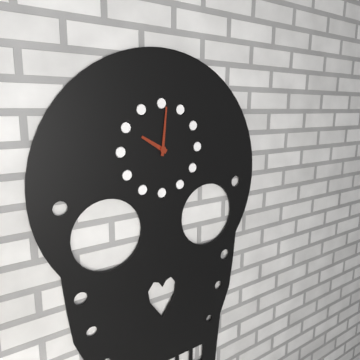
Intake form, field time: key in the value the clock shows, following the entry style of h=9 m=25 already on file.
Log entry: h=10 m=1
